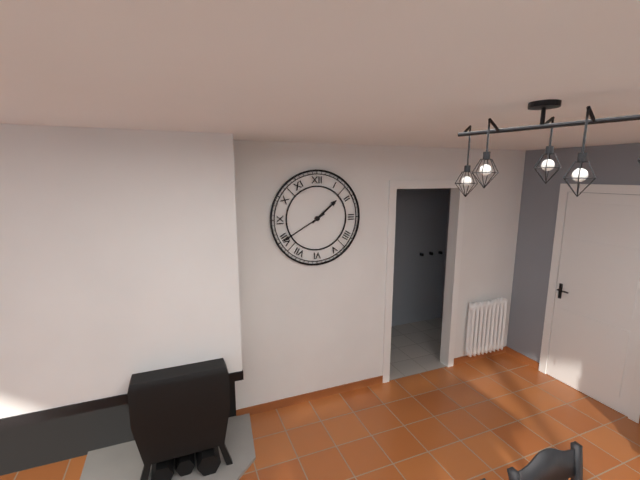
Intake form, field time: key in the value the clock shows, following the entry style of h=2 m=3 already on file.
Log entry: h=1 m=40
